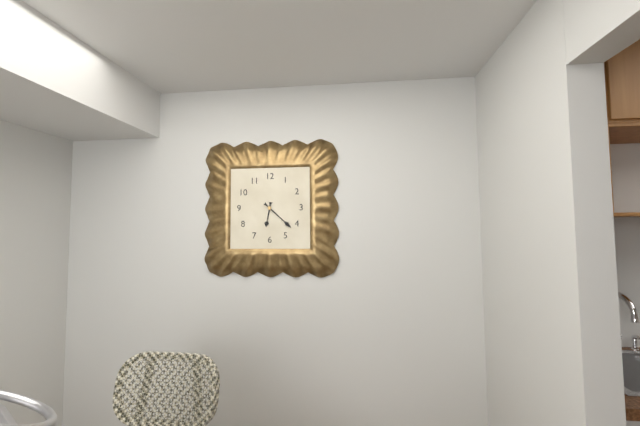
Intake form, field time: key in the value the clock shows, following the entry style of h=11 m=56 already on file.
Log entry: h=6 m=22
